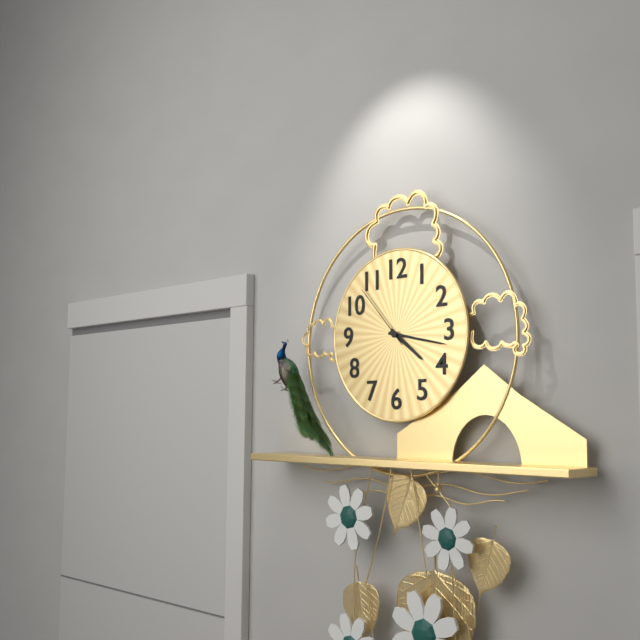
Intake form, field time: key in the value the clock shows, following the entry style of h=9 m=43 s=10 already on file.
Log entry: h=4 m=17 s=53
